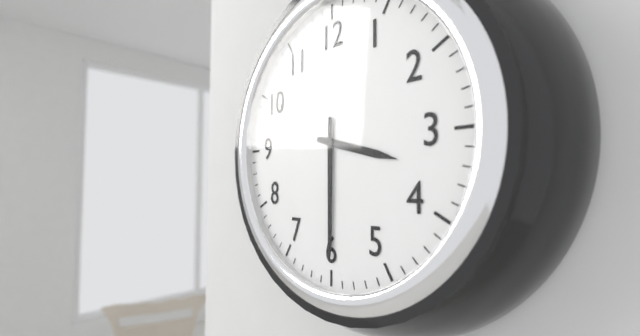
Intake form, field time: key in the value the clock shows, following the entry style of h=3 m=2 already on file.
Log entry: h=3 m=30
